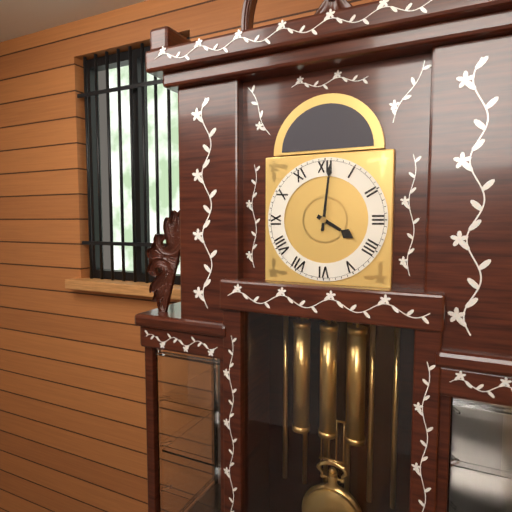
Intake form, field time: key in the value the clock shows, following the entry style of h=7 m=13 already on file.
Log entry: h=4 m=1
